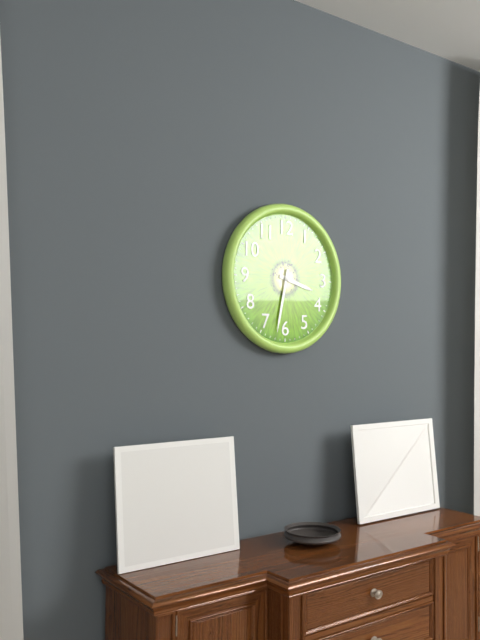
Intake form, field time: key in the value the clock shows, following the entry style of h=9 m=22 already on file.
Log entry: h=3 m=32
